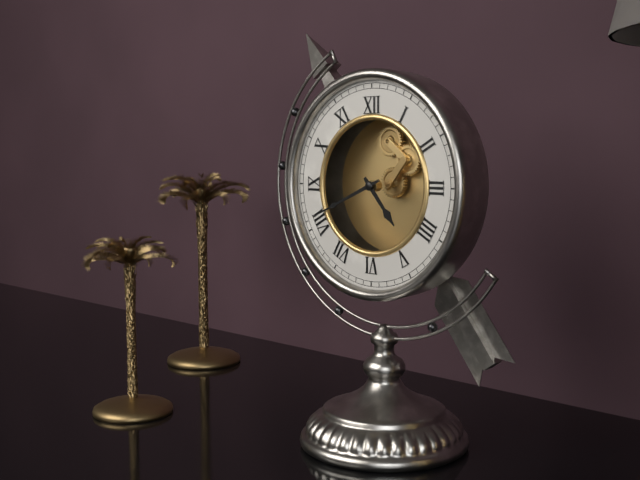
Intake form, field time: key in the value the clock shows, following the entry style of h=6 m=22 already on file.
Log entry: h=4 m=41
